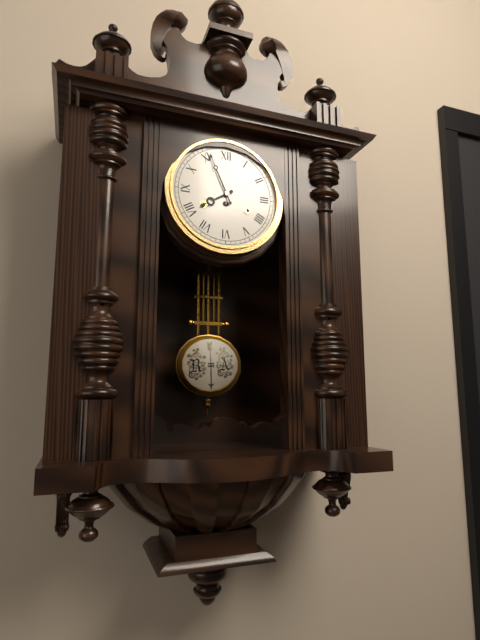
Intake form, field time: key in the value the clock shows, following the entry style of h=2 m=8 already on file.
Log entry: h=7 m=56
